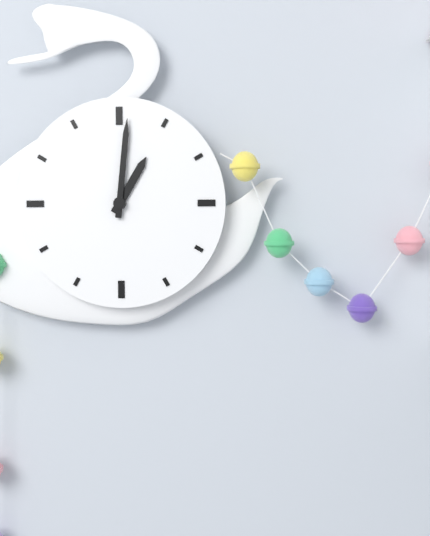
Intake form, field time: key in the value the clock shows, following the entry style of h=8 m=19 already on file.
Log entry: h=1 m=1
